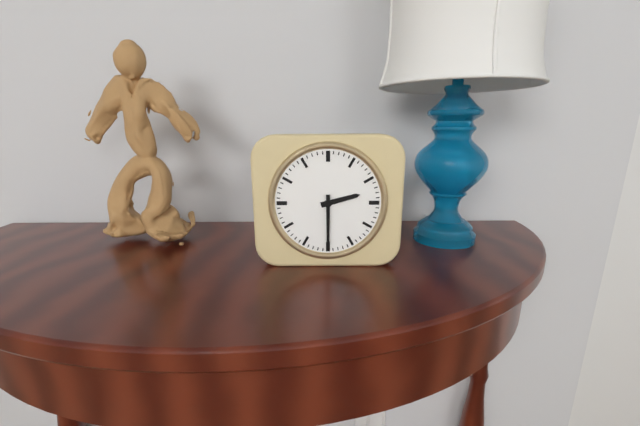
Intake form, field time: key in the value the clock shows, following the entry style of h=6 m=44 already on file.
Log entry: h=2 m=30
